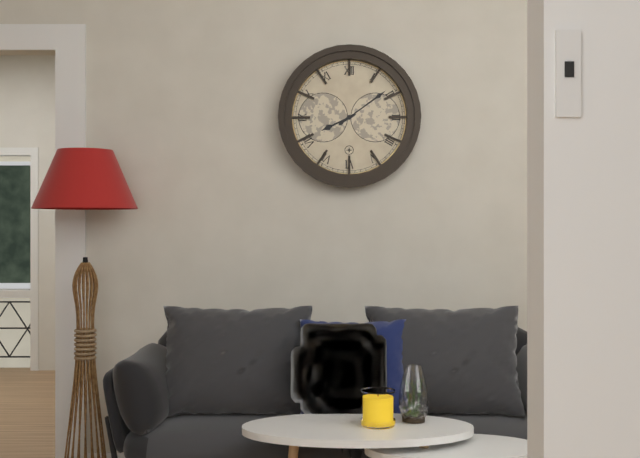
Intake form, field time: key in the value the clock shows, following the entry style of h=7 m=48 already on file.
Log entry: h=8 m=9
